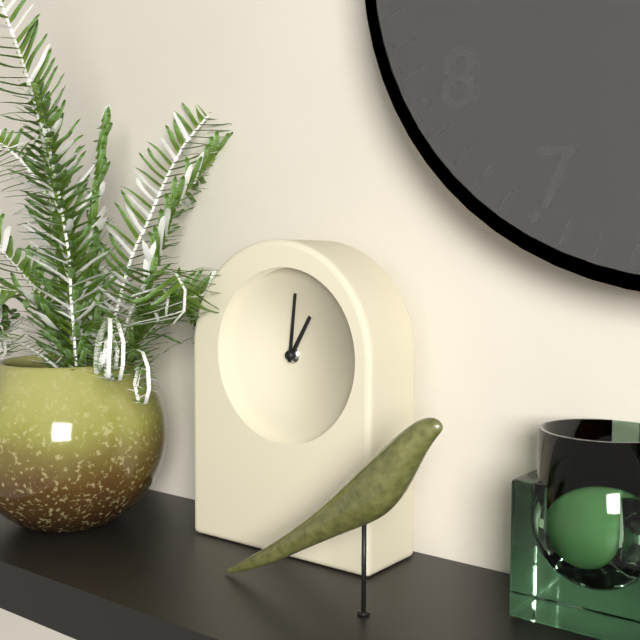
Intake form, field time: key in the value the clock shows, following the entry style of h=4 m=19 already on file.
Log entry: h=1 m=1
